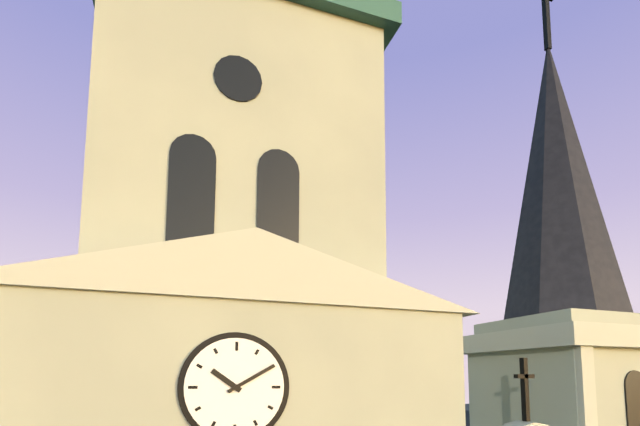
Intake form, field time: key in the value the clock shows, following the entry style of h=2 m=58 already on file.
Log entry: h=10 m=10
